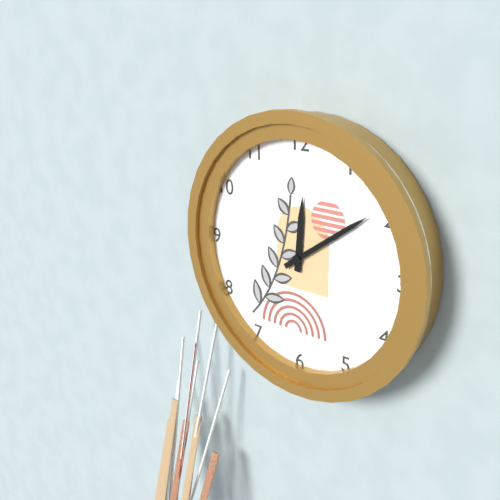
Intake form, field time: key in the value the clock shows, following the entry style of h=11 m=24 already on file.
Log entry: h=12 m=9
